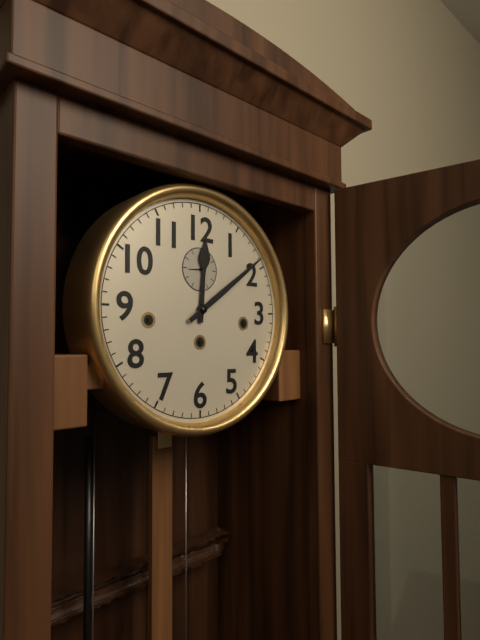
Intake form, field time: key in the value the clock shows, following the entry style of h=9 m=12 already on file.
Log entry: h=12 m=9
